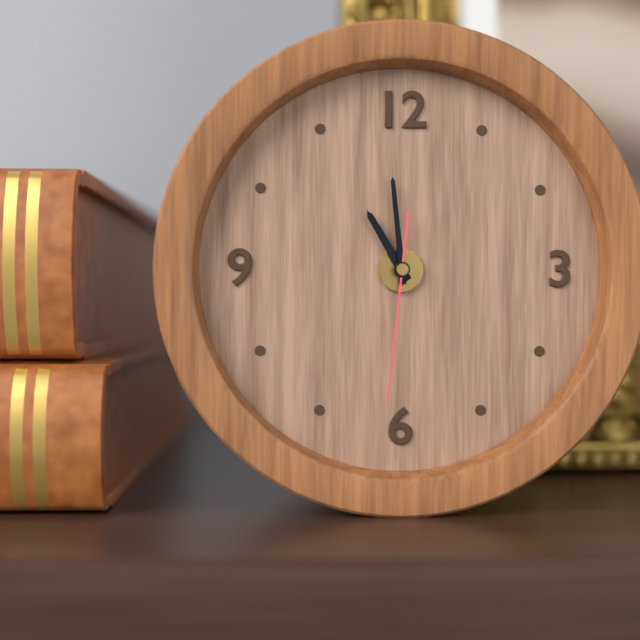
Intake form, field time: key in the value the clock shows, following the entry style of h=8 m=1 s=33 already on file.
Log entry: h=10 m=59 s=31
